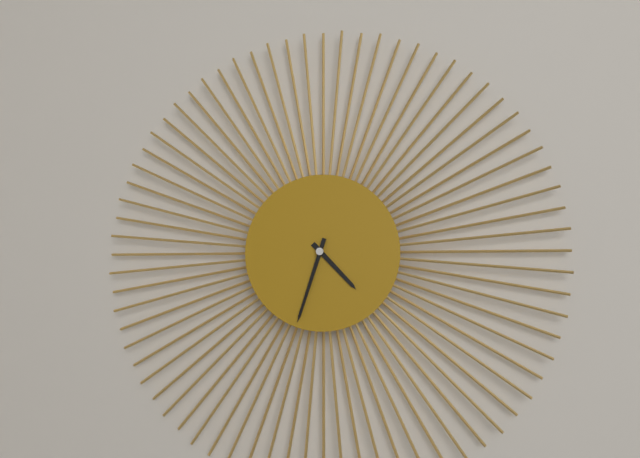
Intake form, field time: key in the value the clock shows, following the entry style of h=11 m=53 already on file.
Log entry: h=4 m=33
